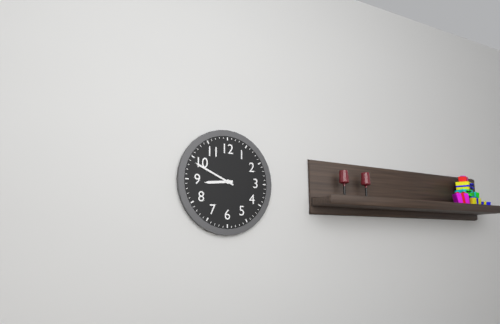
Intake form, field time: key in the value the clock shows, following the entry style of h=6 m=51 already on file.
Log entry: h=8 m=49
